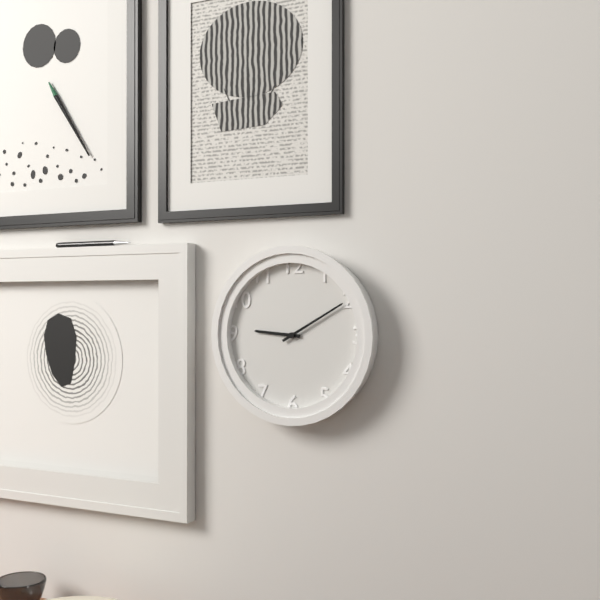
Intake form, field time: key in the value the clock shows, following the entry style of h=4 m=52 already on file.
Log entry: h=9 m=10
